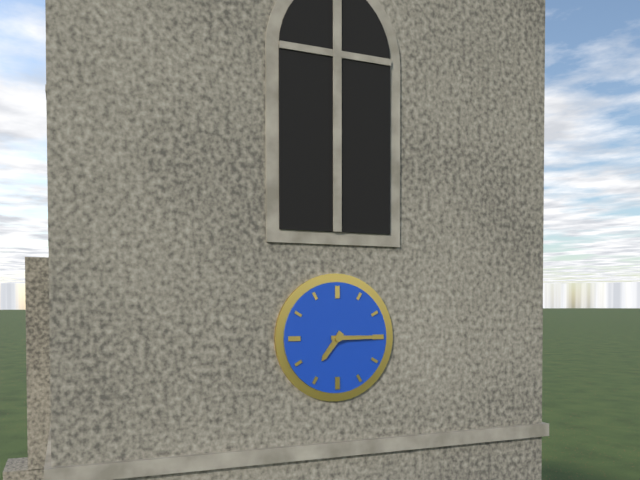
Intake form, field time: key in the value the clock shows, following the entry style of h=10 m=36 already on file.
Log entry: h=7 m=15
